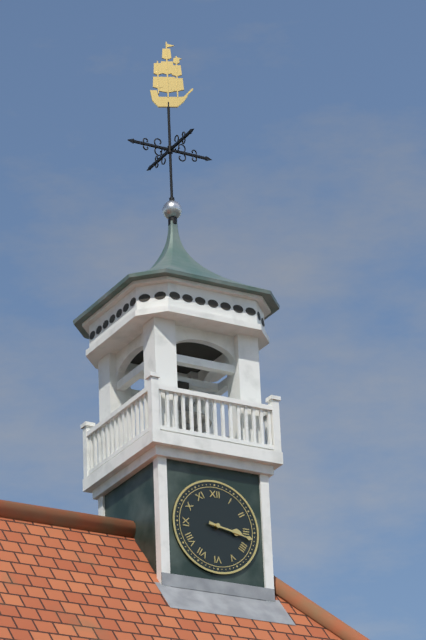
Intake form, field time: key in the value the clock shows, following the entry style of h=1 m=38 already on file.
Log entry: h=3 m=17
